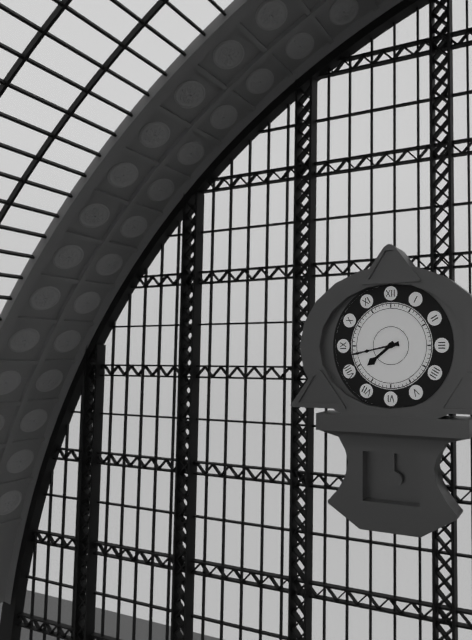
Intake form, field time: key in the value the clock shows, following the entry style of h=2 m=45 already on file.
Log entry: h=7 m=43
